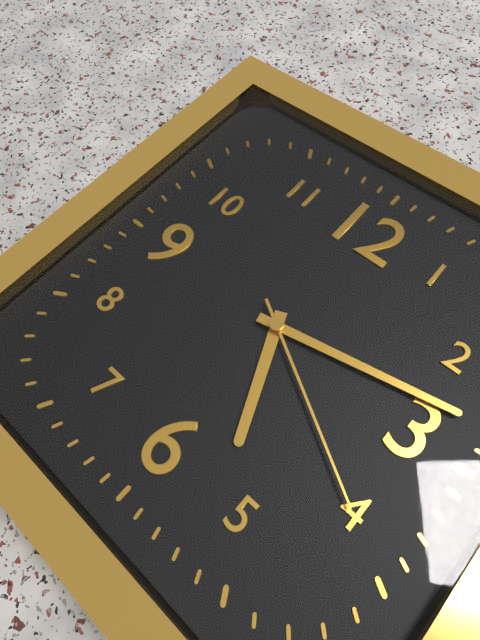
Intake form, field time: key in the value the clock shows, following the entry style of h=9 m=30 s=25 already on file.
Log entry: h=5 m=13 s=20
